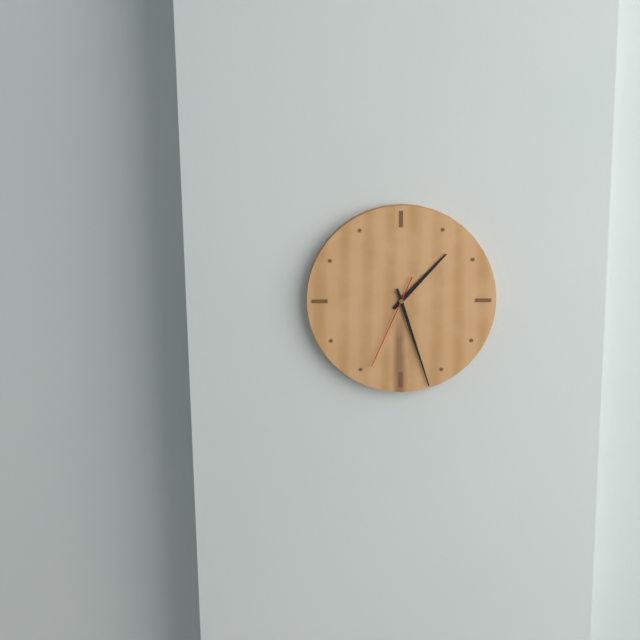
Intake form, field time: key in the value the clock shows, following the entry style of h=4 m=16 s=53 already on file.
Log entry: h=1 m=27 s=34
